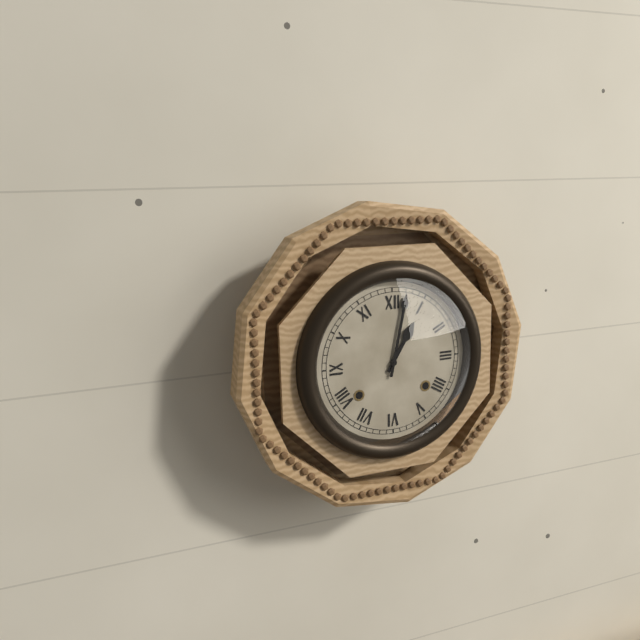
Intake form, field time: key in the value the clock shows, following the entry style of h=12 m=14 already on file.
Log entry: h=1 m=2
